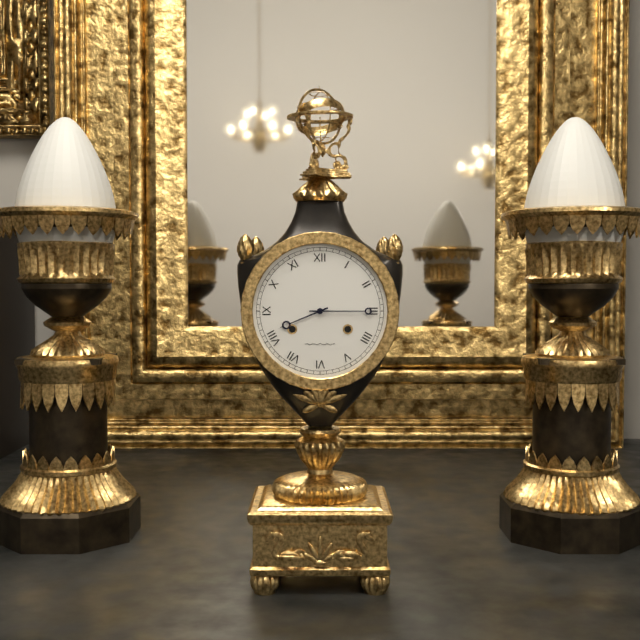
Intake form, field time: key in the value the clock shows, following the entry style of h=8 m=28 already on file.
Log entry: h=8 m=15
